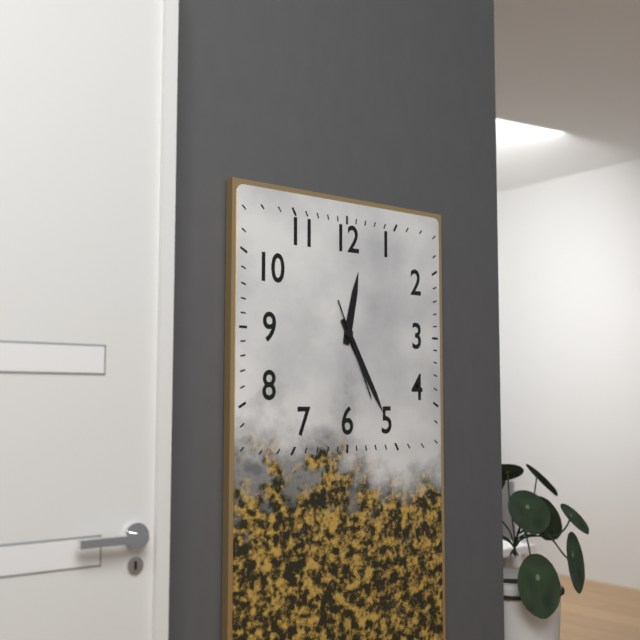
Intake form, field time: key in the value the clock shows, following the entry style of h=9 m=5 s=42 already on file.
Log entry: h=12 m=25 s=26
